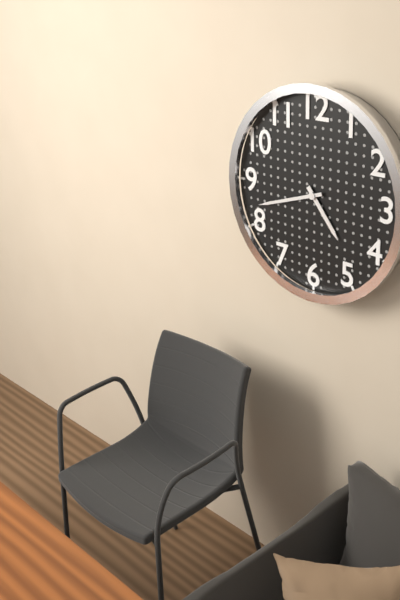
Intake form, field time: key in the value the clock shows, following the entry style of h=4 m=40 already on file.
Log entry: h=4 m=42
